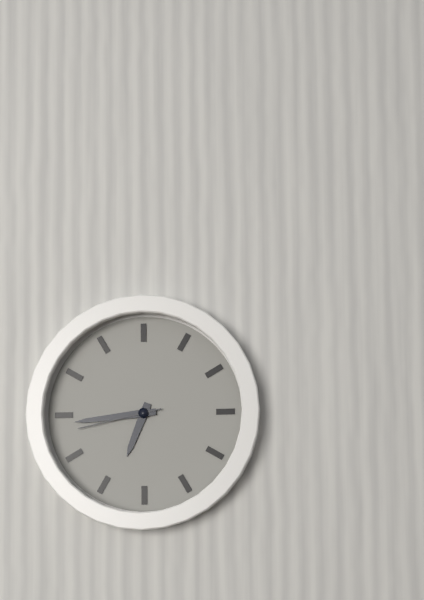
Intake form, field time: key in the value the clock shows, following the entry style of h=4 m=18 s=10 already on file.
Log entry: h=6 m=44 s=43
